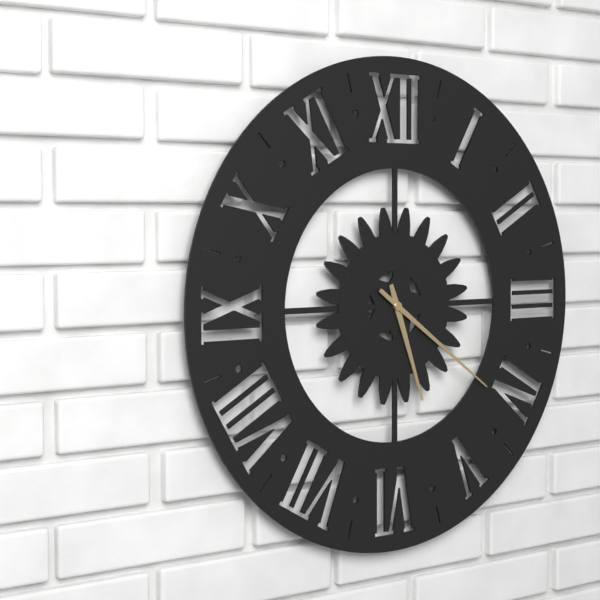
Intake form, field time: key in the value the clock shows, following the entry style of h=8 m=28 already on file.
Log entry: h=5 m=21
